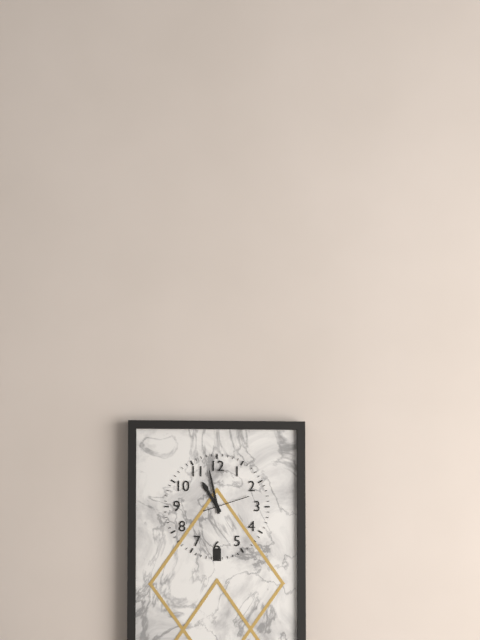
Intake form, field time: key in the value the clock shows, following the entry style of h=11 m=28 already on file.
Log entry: h=10 m=58
